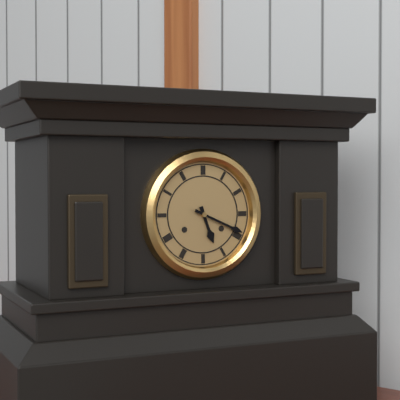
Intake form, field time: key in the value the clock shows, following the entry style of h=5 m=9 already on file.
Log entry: h=5 m=19
